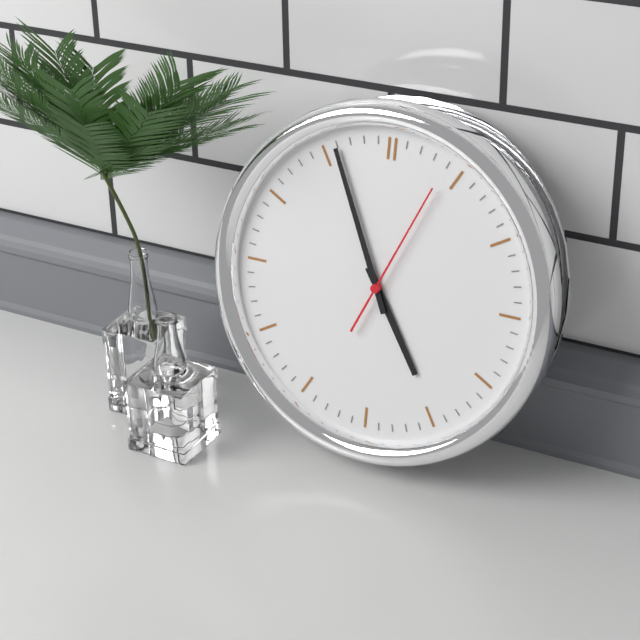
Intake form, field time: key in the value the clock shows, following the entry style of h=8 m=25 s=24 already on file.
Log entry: h=4 m=56 s=4
